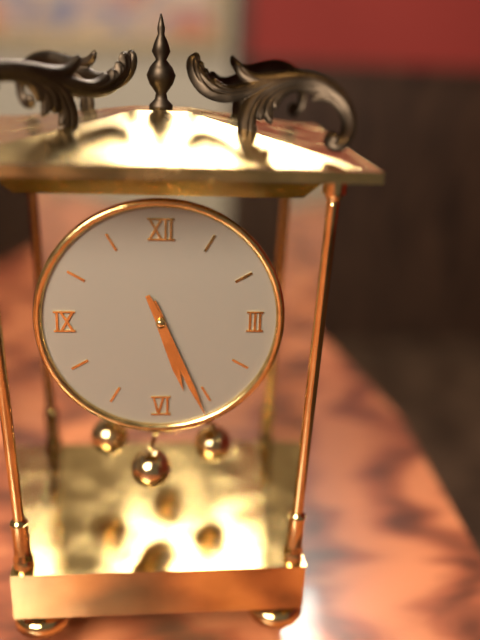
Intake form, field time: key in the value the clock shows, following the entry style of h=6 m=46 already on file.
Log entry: h=5 m=26
